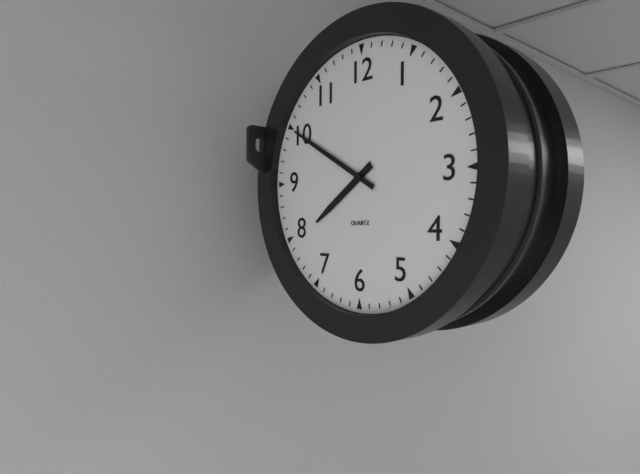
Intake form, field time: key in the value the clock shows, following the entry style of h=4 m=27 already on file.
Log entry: h=7 m=50
